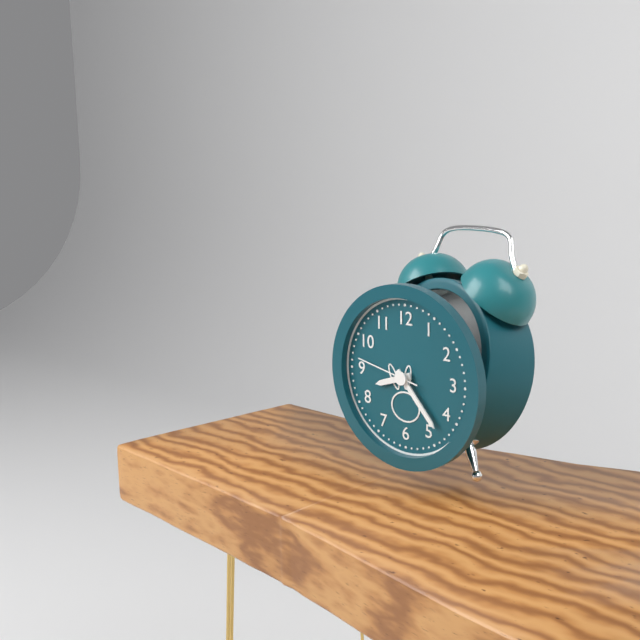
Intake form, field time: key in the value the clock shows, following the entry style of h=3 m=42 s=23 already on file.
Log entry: h=8 m=23 s=47
